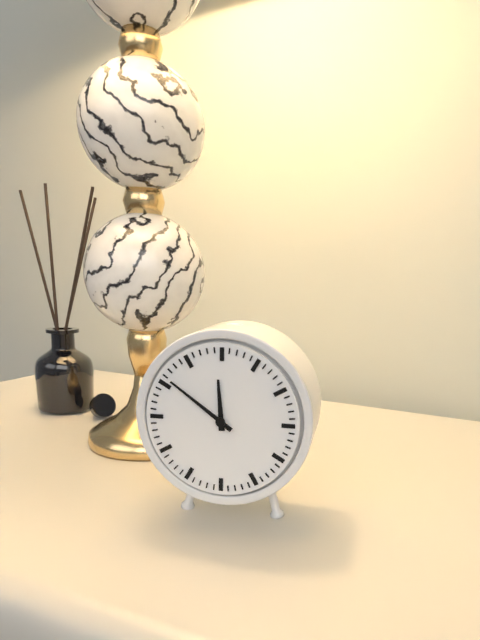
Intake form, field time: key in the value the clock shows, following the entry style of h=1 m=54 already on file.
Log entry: h=11 m=51
